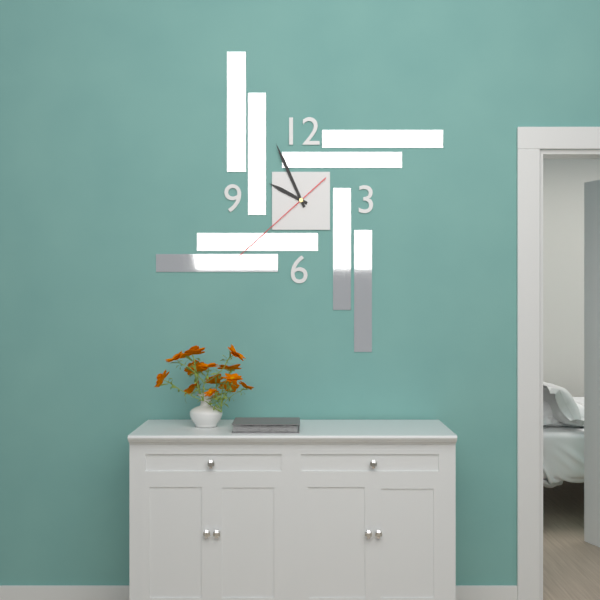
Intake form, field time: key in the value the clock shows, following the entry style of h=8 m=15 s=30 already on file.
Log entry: h=9 m=56 s=38
